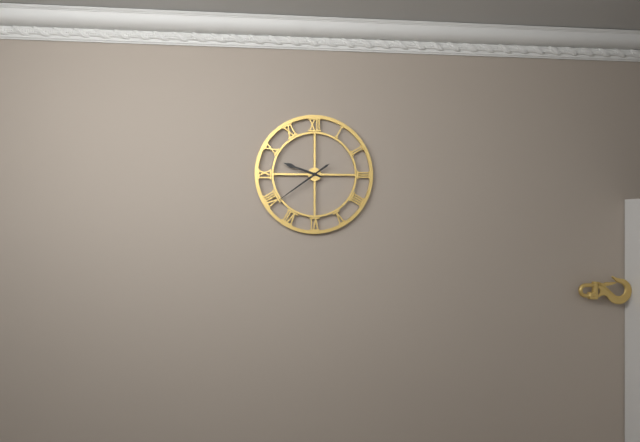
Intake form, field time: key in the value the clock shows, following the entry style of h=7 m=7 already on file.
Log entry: h=9 m=39
